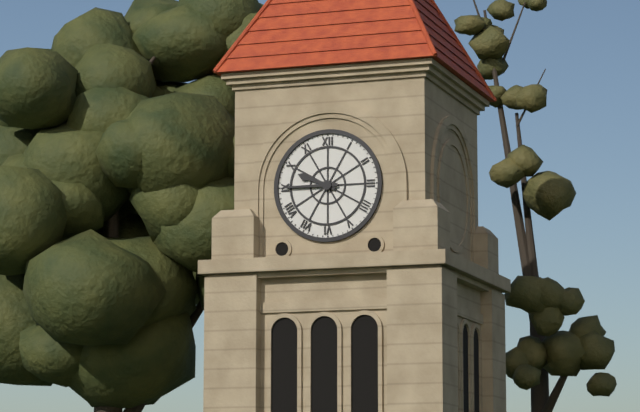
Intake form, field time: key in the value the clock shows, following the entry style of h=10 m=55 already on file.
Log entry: h=9 m=45
